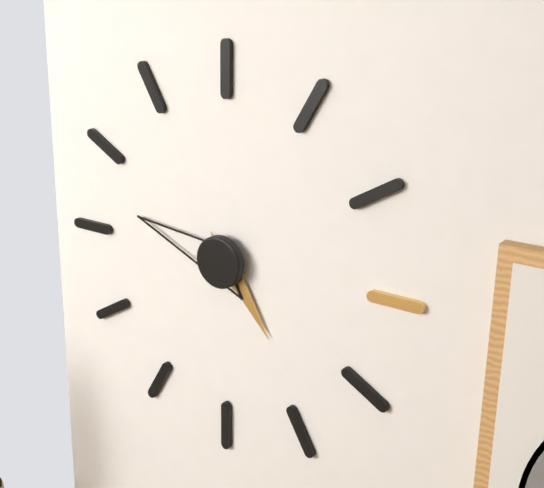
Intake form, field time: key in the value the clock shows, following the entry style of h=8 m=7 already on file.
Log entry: h=4 m=47
